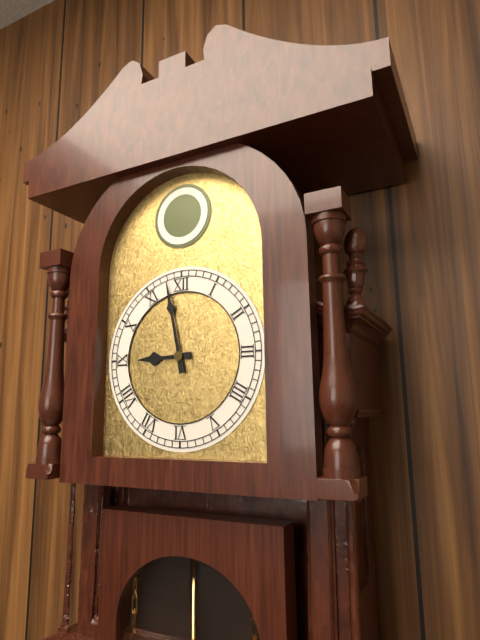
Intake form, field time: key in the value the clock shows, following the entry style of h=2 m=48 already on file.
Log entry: h=8 m=58
